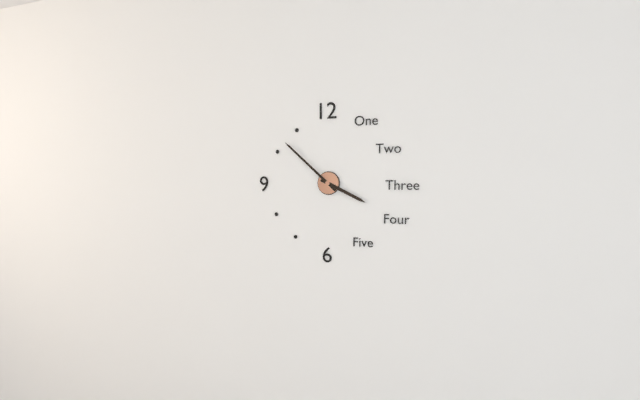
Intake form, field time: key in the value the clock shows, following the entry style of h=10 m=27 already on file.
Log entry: h=3 m=52
